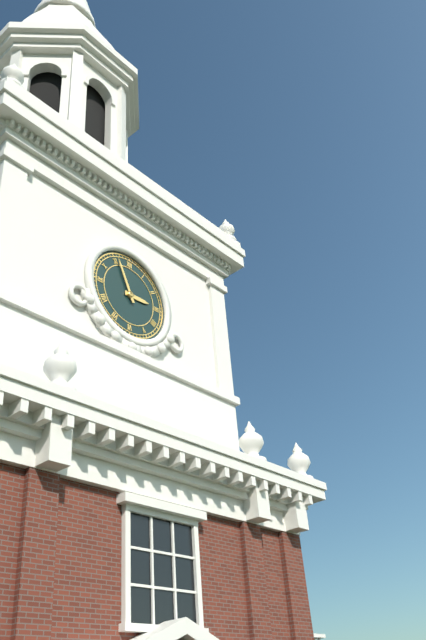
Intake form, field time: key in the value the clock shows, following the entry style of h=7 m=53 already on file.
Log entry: h=2 m=56
